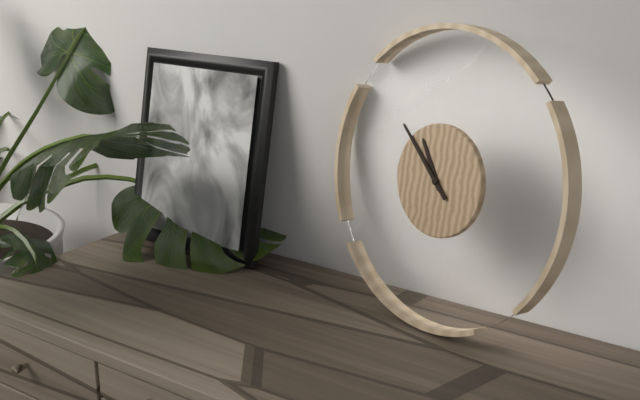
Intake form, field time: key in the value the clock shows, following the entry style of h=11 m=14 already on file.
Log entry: h=10 m=52
